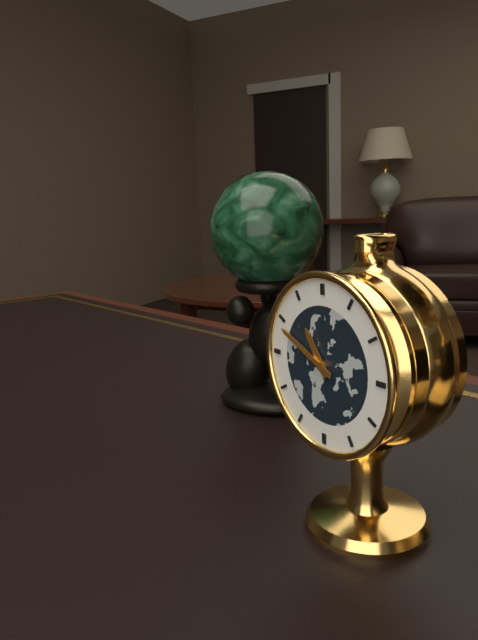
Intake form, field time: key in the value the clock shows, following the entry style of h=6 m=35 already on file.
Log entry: h=10 m=49
